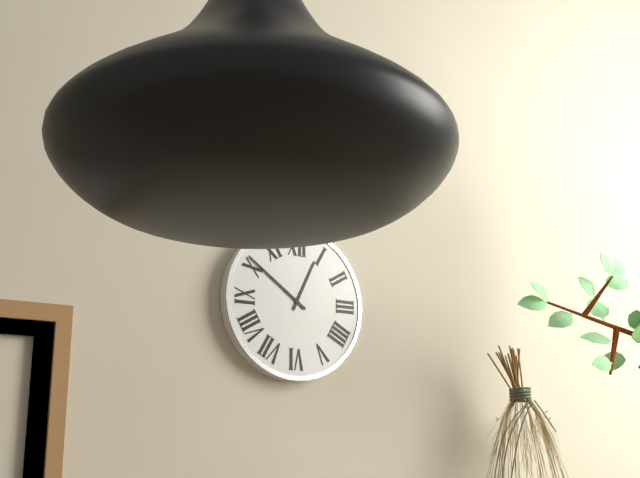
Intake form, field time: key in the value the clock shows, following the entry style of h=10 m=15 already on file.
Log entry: h=12 m=51
